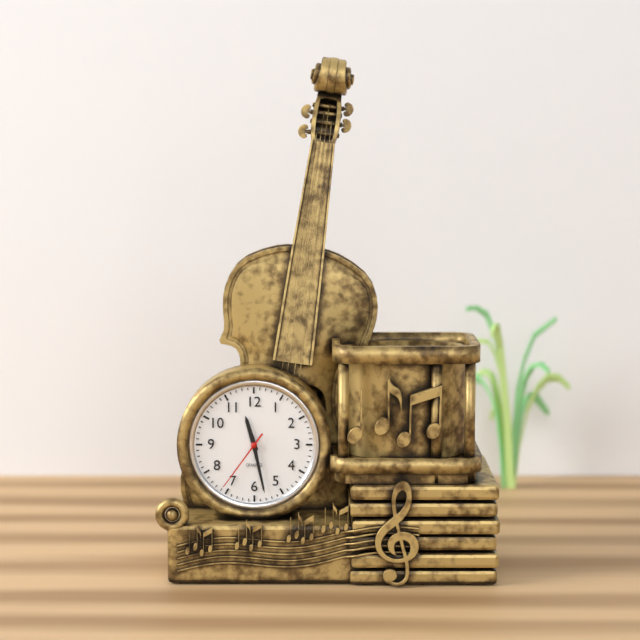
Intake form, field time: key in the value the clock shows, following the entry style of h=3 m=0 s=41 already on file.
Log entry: h=11 m=28 s=36
